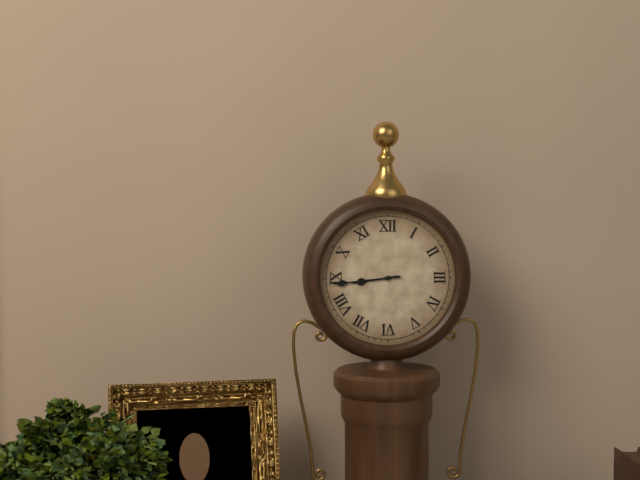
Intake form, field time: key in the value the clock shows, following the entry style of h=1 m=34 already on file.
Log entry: h=8 m=44
